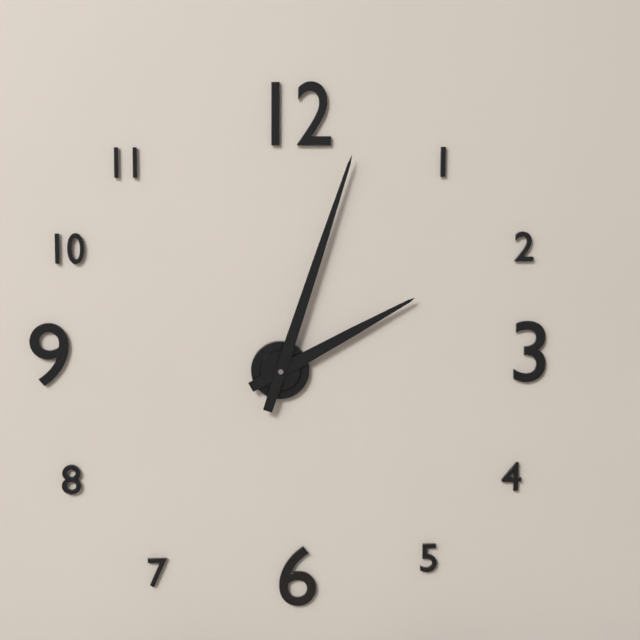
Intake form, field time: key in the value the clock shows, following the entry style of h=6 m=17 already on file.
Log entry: h=2 m=3
